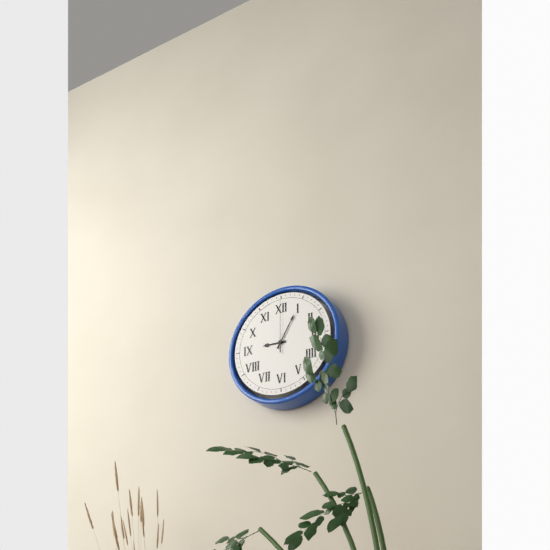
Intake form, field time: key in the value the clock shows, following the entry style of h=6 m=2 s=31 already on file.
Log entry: h=9 m=5 s=0
